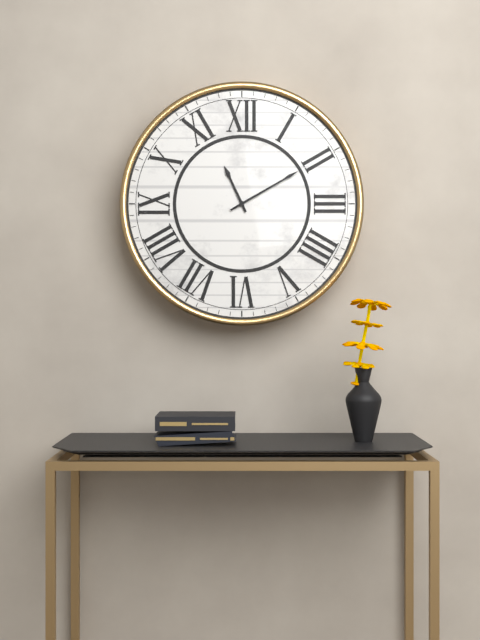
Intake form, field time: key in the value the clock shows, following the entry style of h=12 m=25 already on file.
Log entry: h=11 m=10
